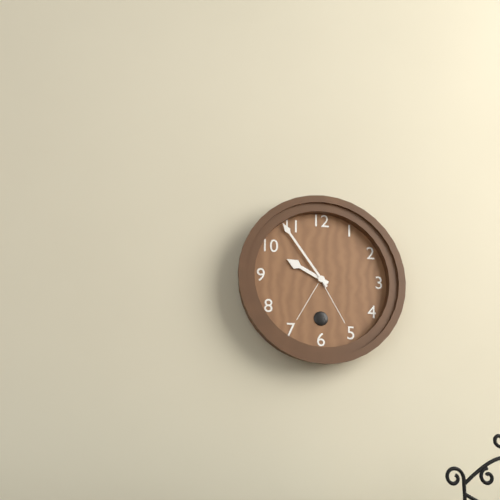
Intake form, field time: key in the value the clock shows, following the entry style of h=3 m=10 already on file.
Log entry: h=9 m=54
